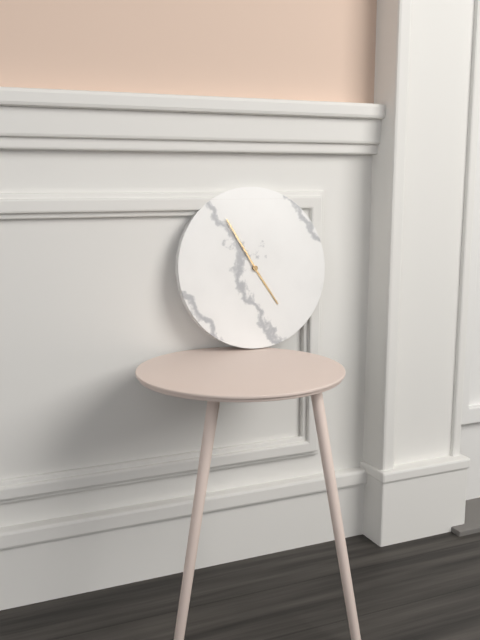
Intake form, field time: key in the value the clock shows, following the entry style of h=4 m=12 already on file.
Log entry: h=4 m=55
